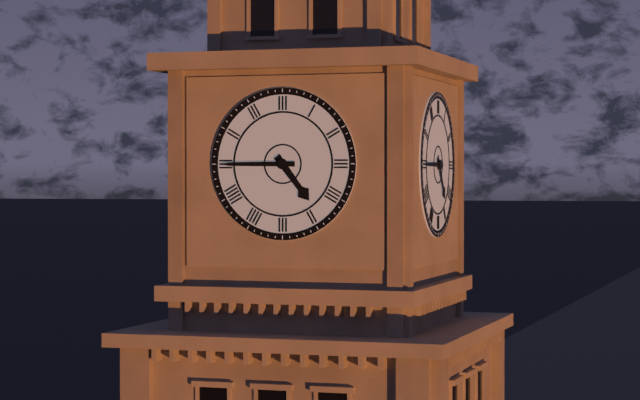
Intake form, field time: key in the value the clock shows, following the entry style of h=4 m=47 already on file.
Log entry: h=4 m=45
